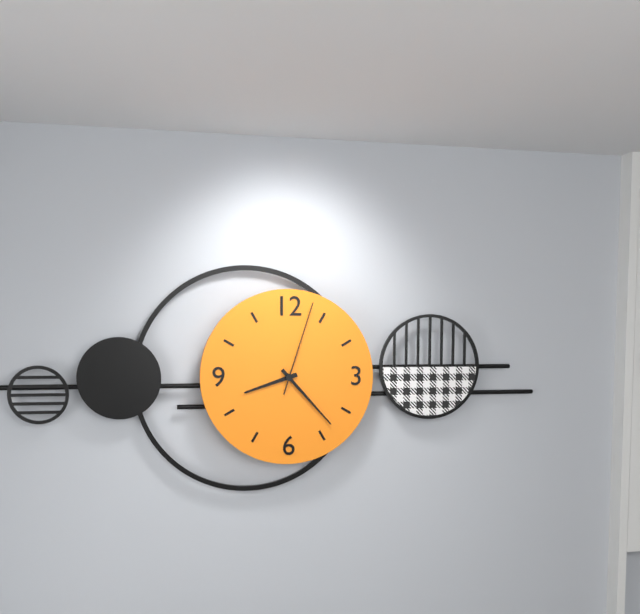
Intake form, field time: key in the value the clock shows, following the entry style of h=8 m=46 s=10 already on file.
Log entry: h=8 m=23 s=3
